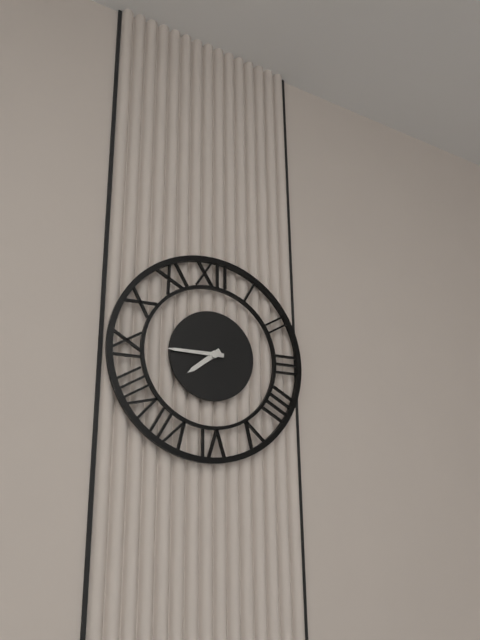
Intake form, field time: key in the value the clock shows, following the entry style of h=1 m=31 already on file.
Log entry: h=7 m=45
